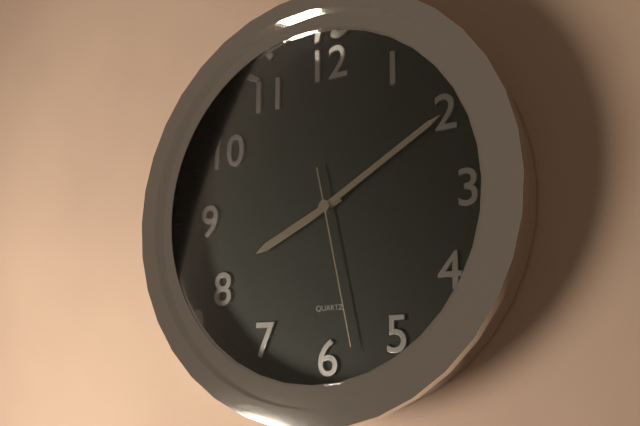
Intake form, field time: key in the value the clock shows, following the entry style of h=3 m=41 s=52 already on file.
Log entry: h=8 m=10 s=28
